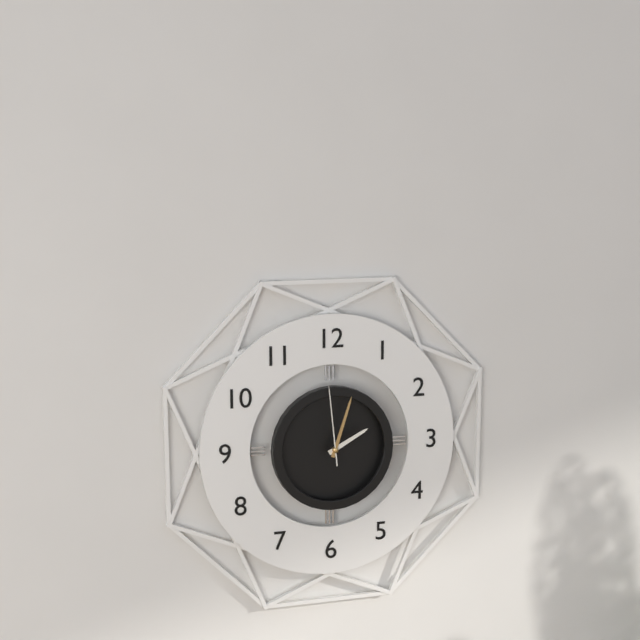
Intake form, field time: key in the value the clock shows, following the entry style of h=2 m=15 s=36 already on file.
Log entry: h=2 m=3 s=59
